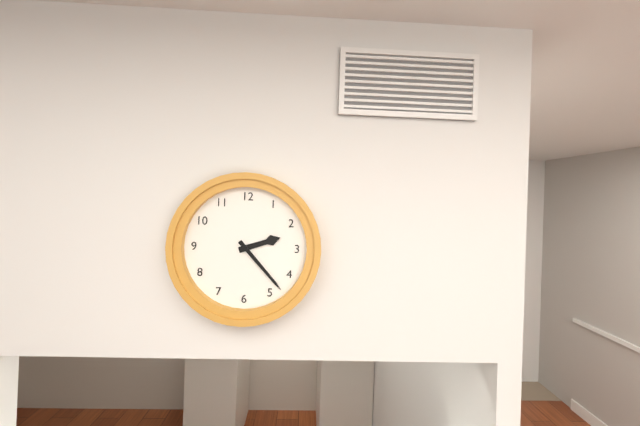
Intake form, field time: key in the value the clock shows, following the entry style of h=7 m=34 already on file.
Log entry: h=2 m=23
